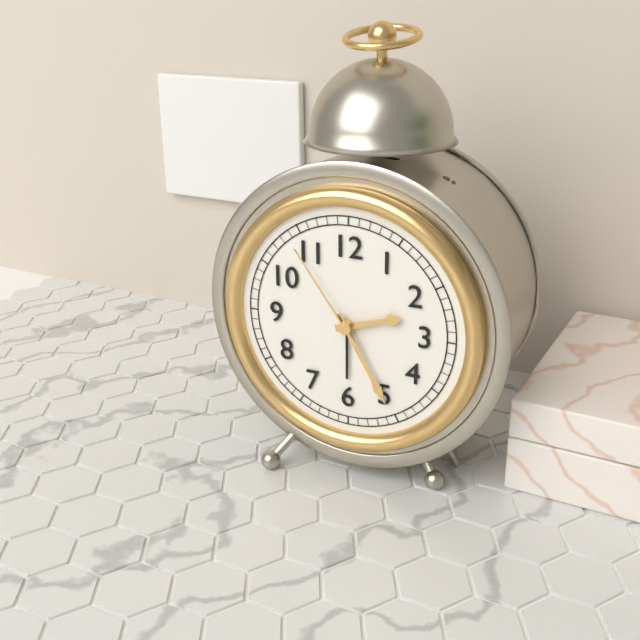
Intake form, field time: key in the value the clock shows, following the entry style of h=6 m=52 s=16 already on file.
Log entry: h=2 m=25 s=54
